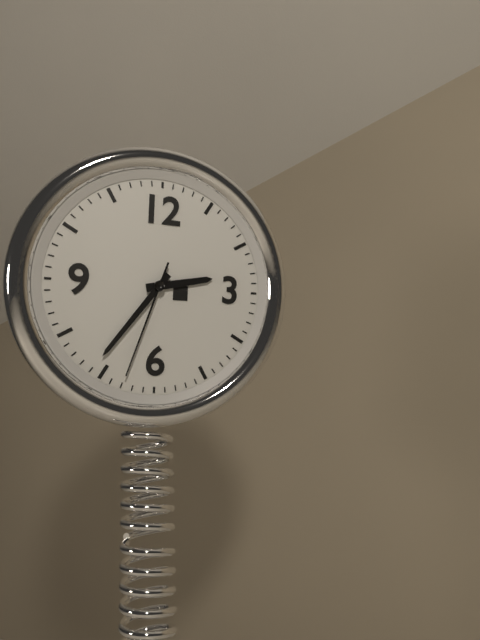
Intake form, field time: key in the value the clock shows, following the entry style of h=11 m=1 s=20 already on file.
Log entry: h=2 m=36 s=33
